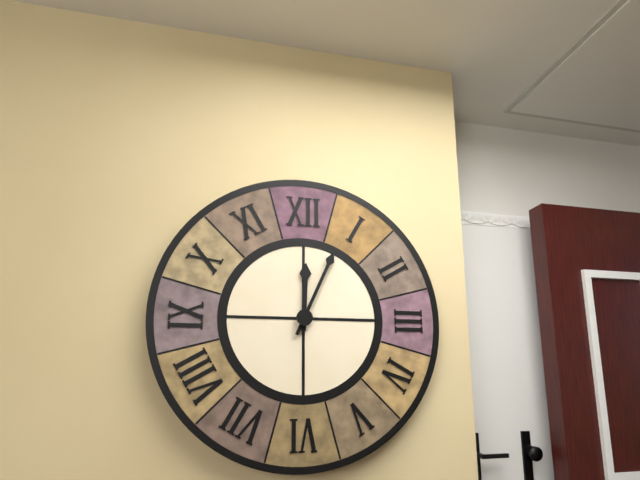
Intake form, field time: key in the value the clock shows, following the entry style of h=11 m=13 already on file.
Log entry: h=12 m=4
